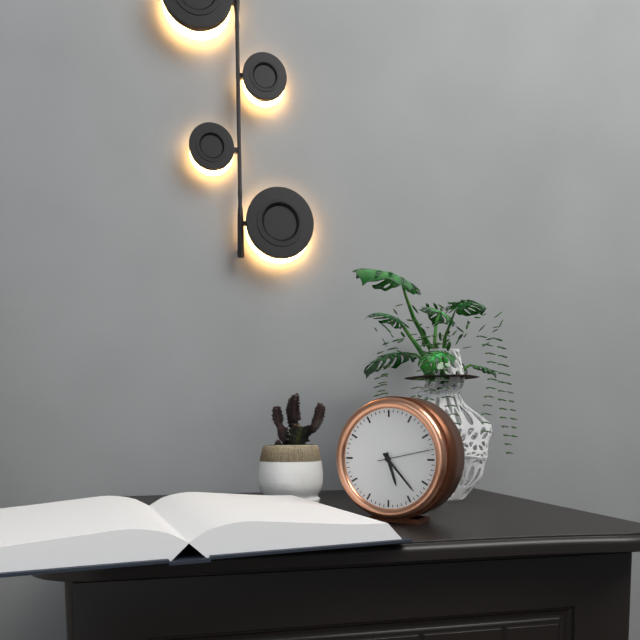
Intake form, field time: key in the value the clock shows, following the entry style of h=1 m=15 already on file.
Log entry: h=5 m=23
